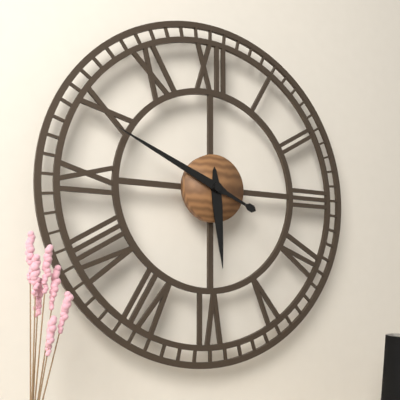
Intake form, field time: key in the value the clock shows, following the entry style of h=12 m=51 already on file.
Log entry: h=5 m=49
